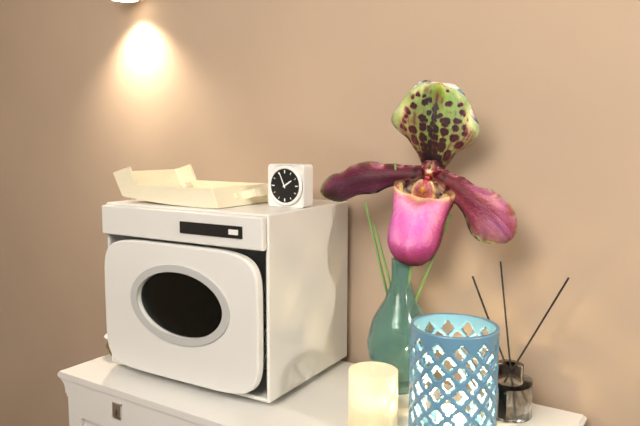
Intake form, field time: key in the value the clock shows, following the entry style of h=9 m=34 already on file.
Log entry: h=1 m=56
